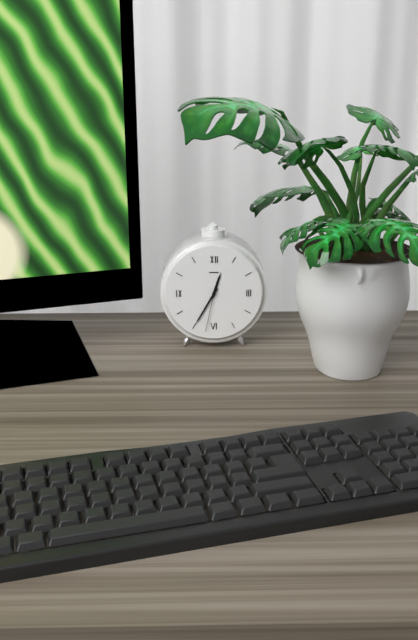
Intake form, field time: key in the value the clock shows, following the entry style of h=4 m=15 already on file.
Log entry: h=12 m=35
